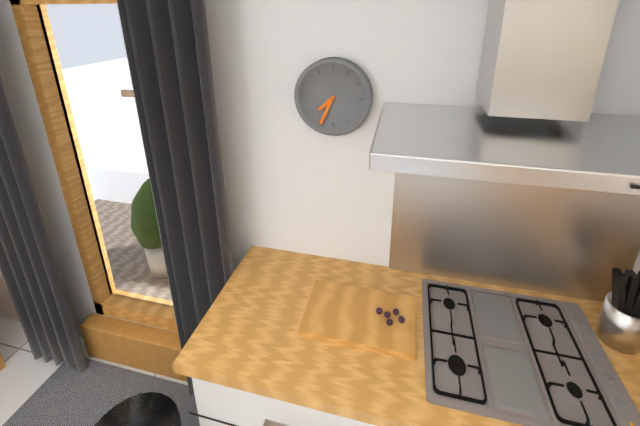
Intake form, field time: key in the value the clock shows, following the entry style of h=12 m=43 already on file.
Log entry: h=7 m=34
